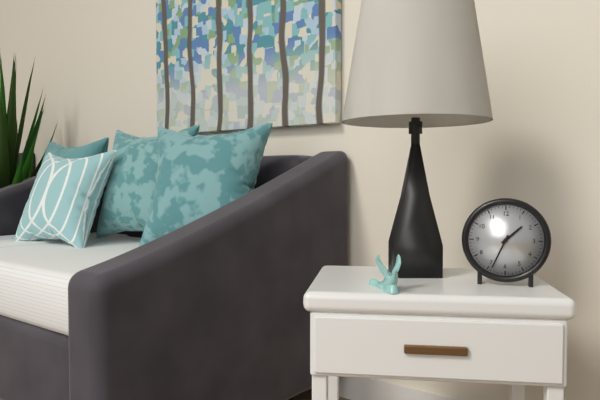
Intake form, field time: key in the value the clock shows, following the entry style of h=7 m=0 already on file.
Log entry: h=1 m=34
